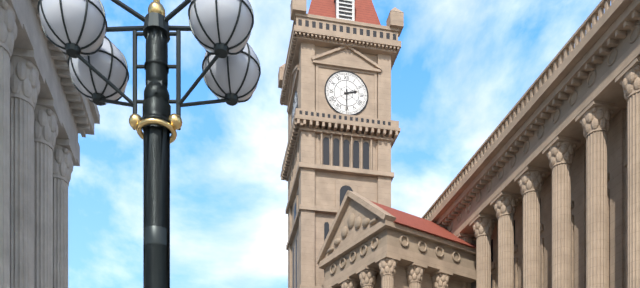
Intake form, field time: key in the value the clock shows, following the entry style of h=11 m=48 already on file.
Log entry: h=2 m=30
